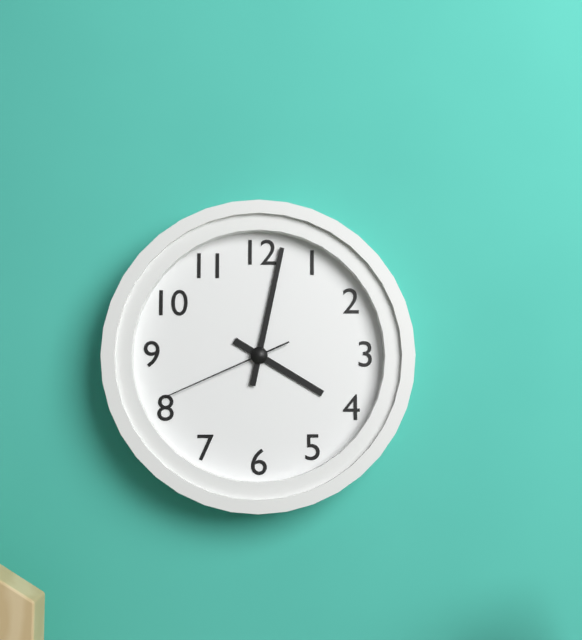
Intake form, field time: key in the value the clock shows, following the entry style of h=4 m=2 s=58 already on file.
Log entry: h=4 m=2 s=41
